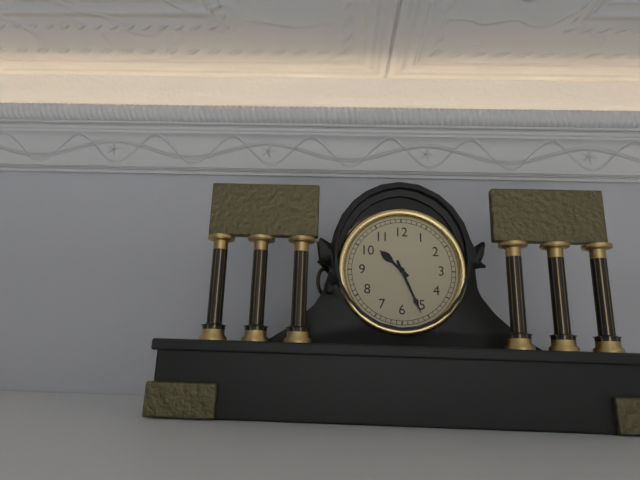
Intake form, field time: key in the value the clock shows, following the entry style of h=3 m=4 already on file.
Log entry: h=10 m=26
